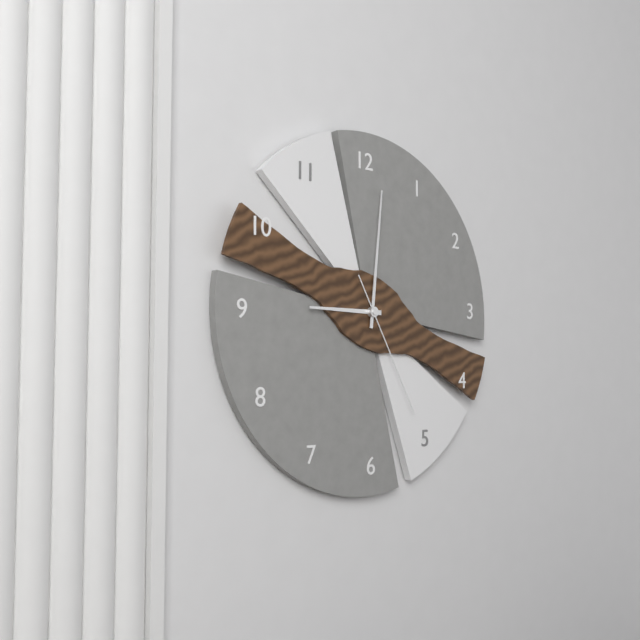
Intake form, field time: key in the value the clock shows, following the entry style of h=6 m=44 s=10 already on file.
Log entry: h=9 m=1 s=25
